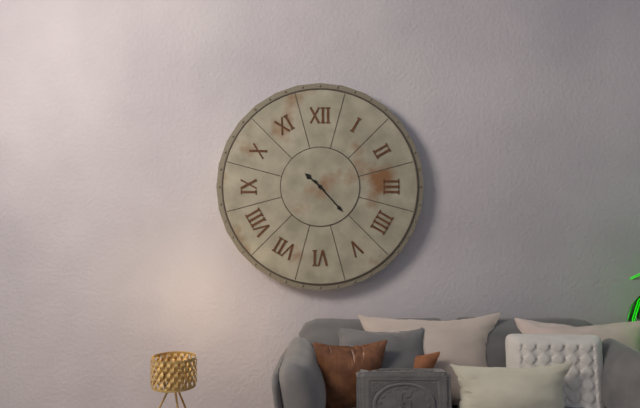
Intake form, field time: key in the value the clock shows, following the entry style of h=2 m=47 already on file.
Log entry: h=10 m=23
